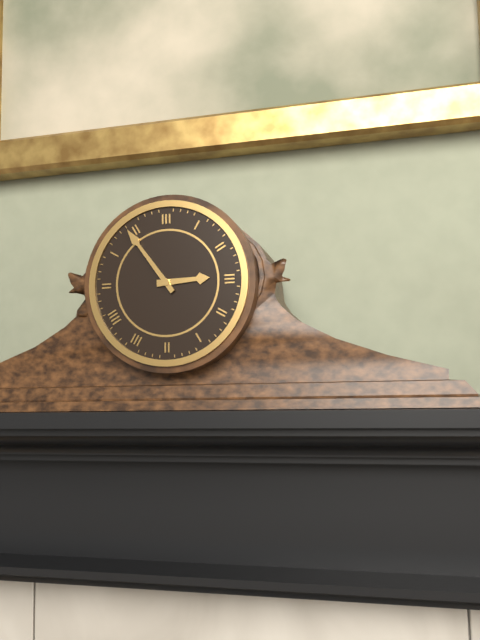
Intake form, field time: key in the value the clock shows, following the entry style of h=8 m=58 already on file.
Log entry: h=2 m=54
